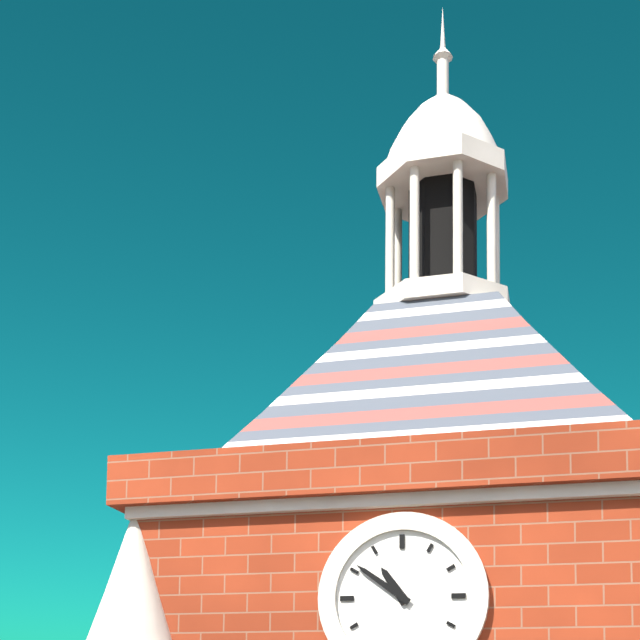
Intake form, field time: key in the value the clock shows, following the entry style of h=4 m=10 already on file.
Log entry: h=10 m=51
